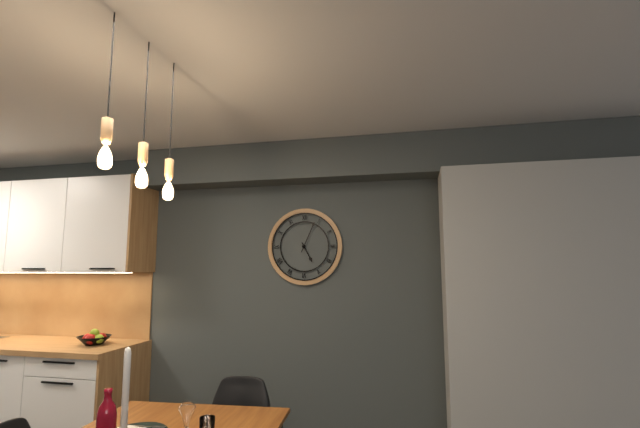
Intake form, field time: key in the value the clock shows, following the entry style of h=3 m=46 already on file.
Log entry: h=5 m=4
